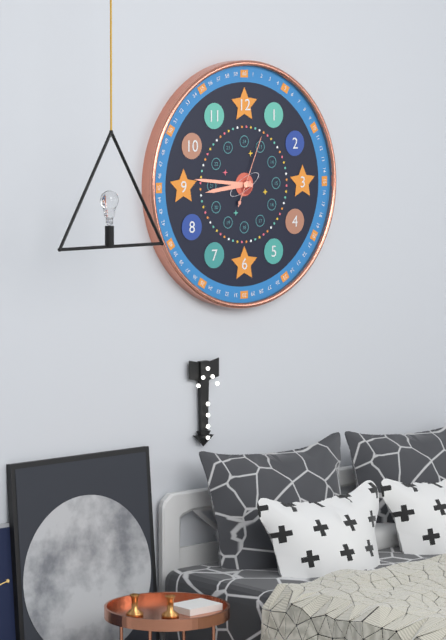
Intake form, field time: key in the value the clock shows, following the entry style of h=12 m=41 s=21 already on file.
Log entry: h=8 m=46 s=4
